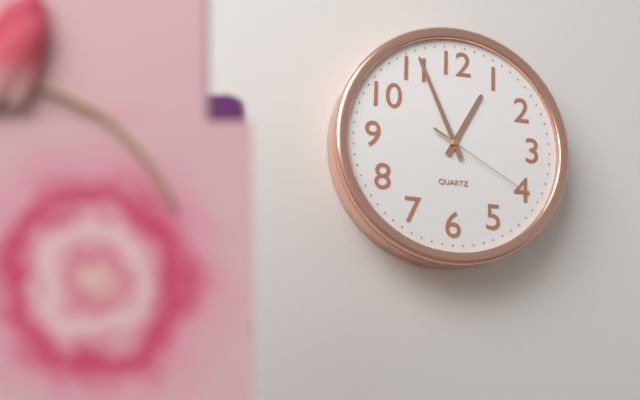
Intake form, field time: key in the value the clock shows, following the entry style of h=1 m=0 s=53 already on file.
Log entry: h=12 m=56 s=20
